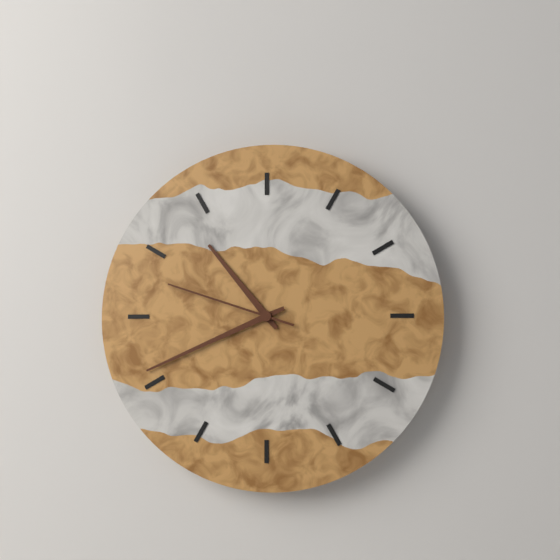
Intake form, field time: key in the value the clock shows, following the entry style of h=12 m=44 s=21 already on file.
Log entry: h=10 m=41 s=48
